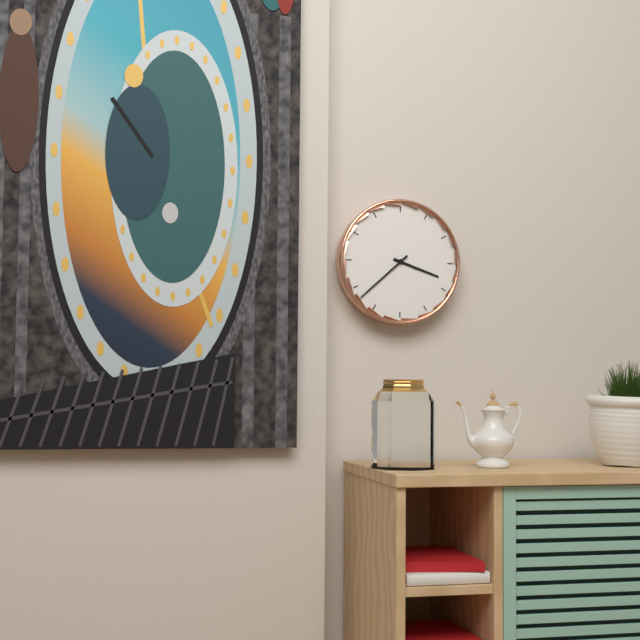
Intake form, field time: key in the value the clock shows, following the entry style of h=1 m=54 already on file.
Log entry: h=3 m=38
